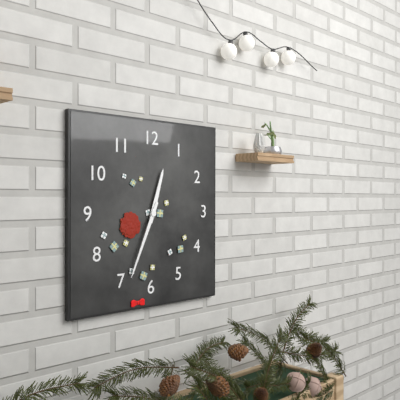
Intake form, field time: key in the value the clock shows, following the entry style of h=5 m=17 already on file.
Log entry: h=12 m=34
